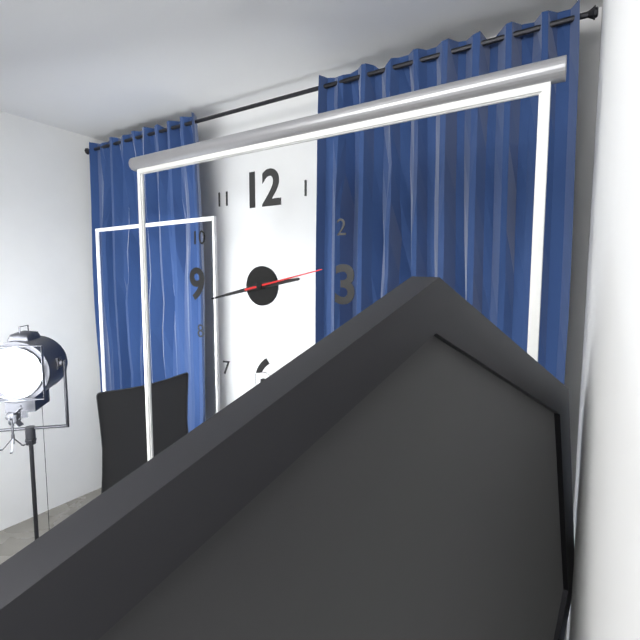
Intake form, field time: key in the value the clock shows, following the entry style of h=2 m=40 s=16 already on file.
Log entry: h=2 m=43 s=13
